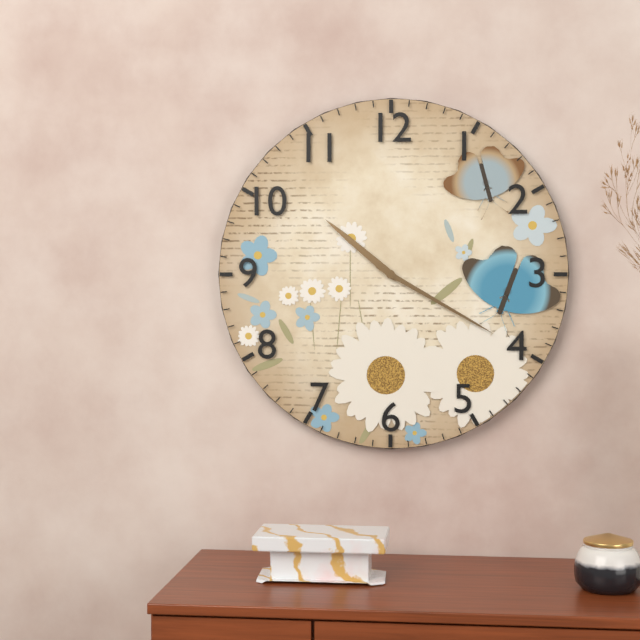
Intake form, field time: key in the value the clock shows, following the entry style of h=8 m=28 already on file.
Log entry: h=10 m=20
